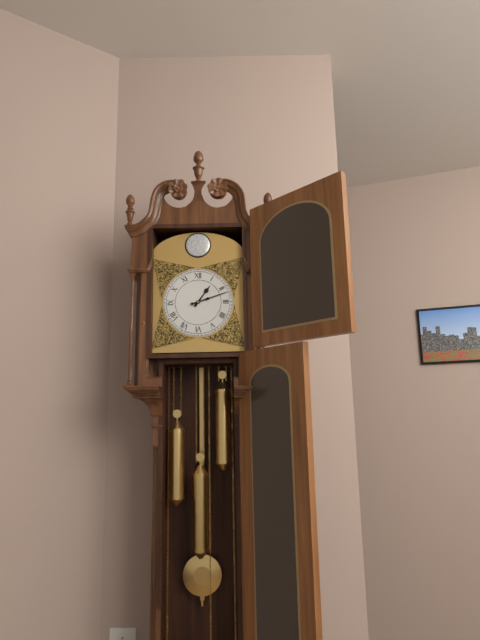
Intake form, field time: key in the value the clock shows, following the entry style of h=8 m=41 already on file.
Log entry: h=1 m=12
